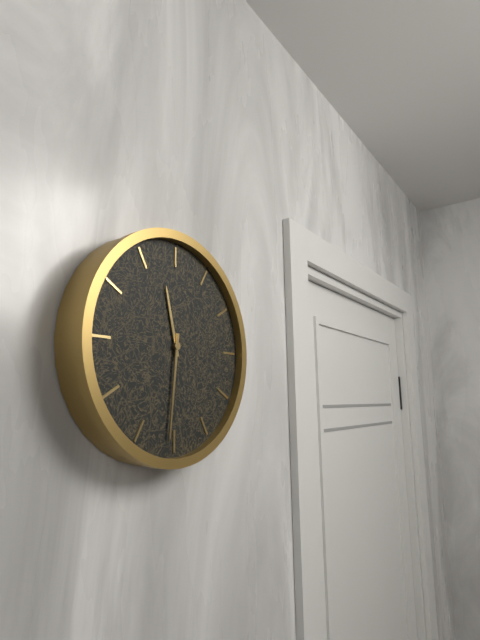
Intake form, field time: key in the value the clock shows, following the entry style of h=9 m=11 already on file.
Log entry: h=11 m=31
